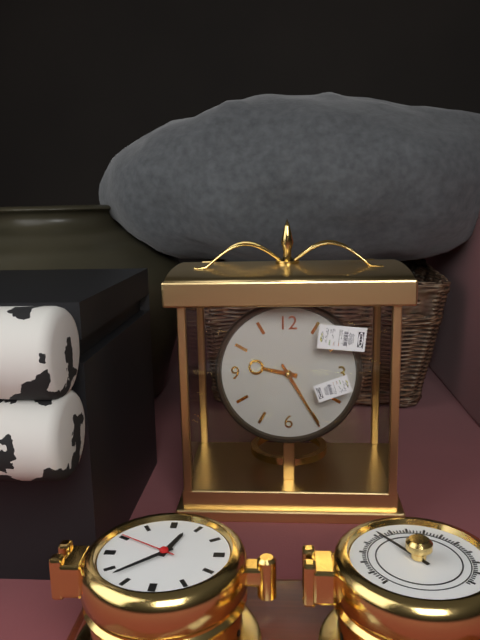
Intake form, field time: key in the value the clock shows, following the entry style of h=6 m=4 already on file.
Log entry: h=9 m=25
